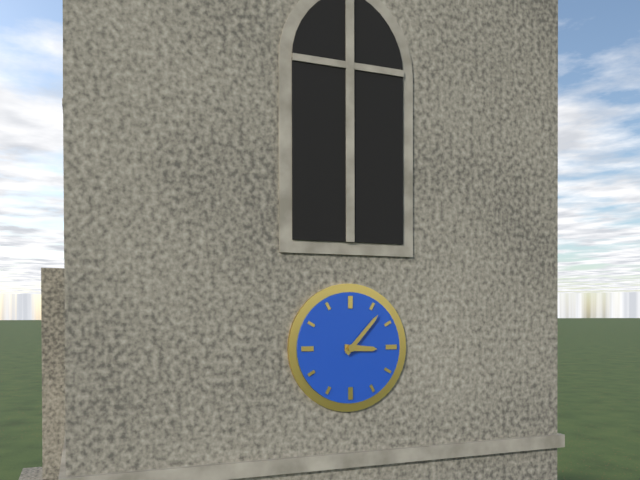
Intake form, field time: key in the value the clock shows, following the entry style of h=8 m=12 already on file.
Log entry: h=3 m=7
